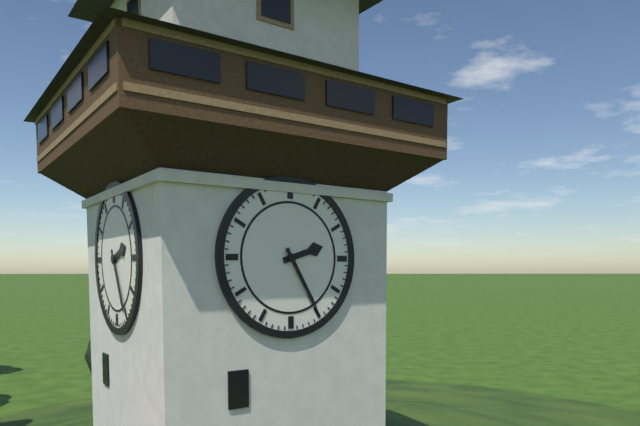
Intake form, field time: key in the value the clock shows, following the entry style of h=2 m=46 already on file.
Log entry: h=2 m=25
